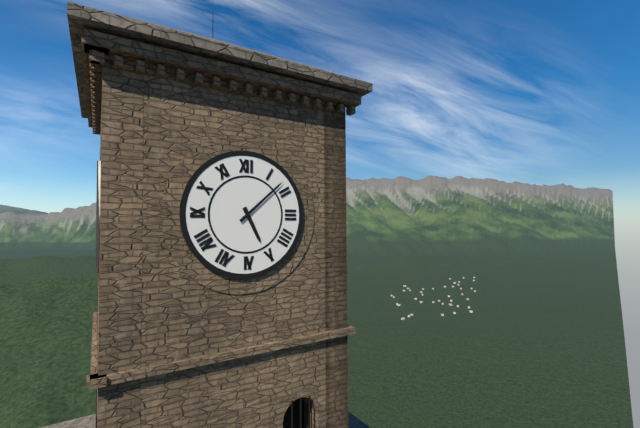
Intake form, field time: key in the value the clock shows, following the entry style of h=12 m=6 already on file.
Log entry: h=5 m=8
